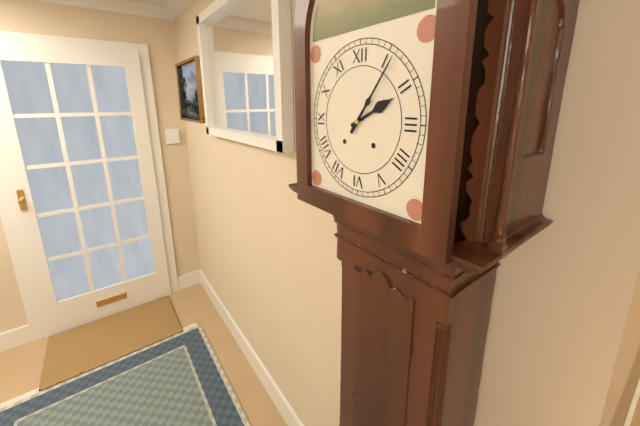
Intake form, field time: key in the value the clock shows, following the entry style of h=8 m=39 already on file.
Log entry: h=2 m=6
